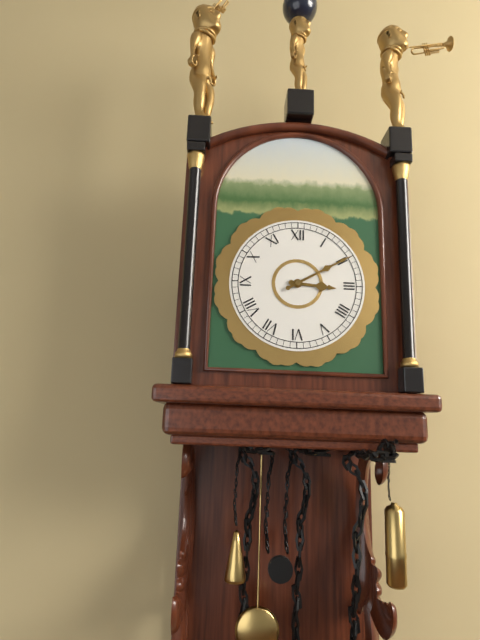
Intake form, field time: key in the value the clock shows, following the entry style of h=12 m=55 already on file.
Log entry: h=3 m=10
